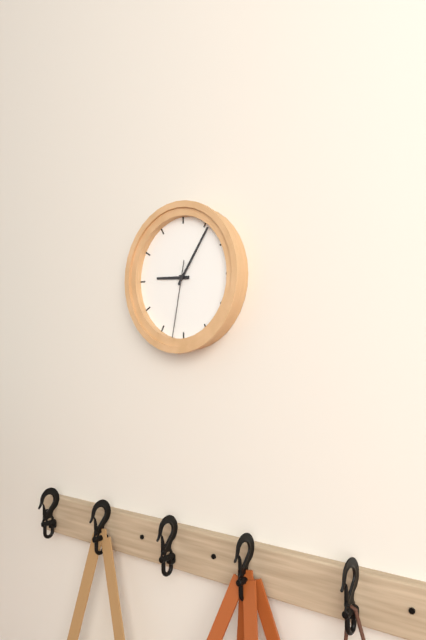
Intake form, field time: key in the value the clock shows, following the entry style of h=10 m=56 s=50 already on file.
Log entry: h=9 m=6 s=32
